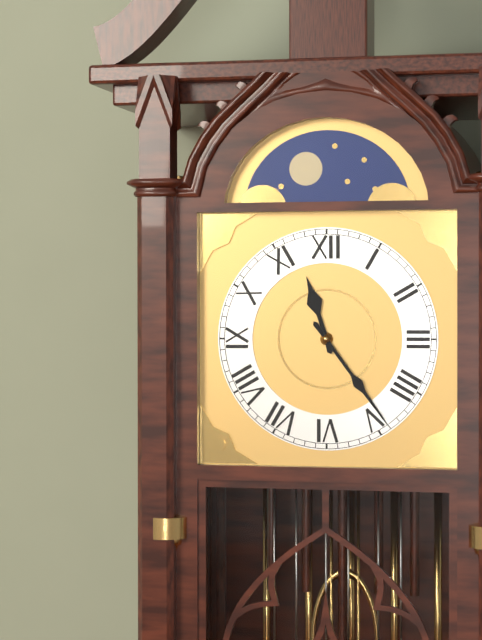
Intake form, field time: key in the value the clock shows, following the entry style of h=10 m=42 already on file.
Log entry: h=11 m=24
